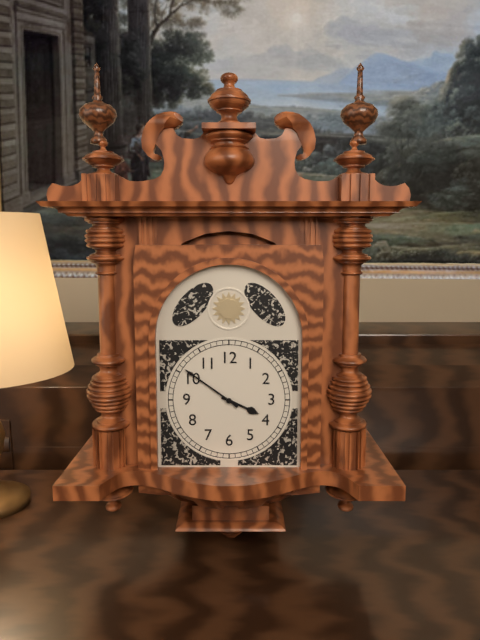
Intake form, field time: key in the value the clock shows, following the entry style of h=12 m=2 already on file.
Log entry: h=3 m=51
